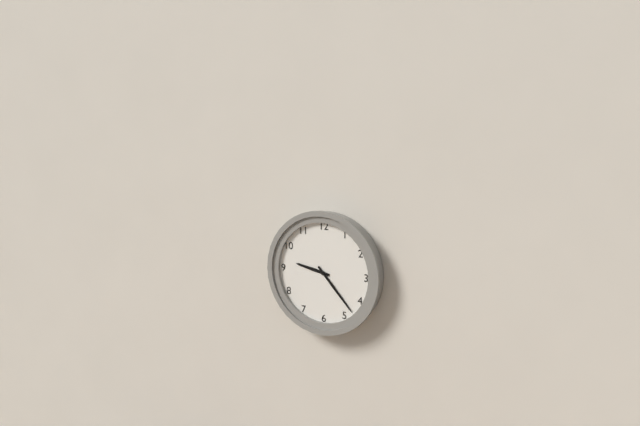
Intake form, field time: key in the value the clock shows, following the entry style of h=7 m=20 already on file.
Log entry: h=9 m=23
